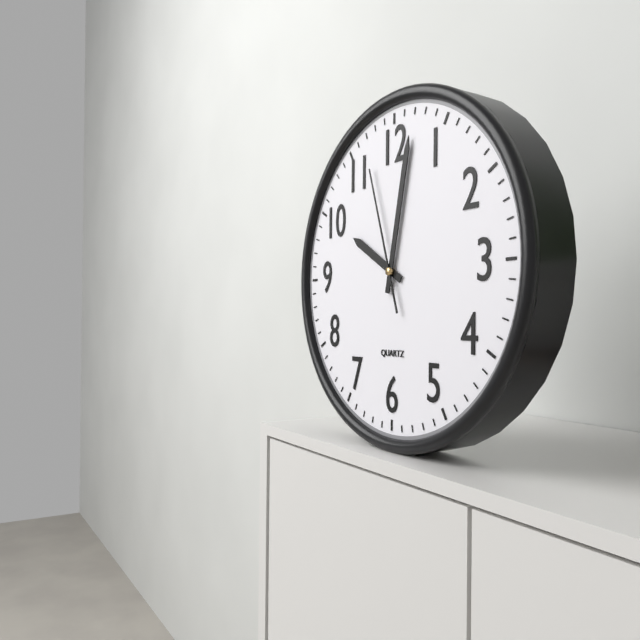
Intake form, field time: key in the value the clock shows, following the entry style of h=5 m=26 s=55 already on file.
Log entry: h=10 m=2 s=57
